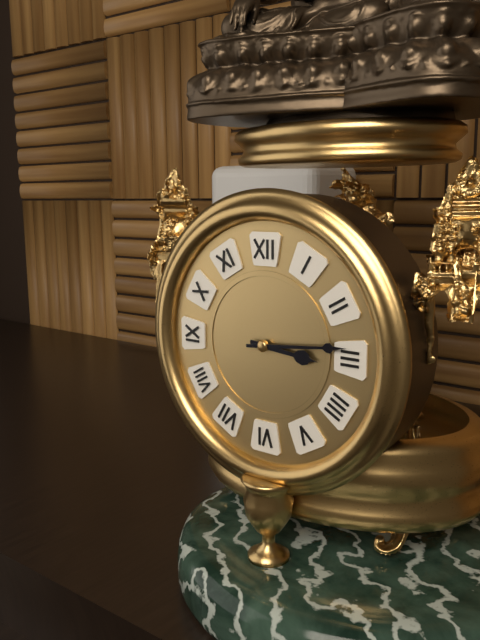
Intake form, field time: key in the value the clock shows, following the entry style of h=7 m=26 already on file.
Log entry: h=3 m=14
